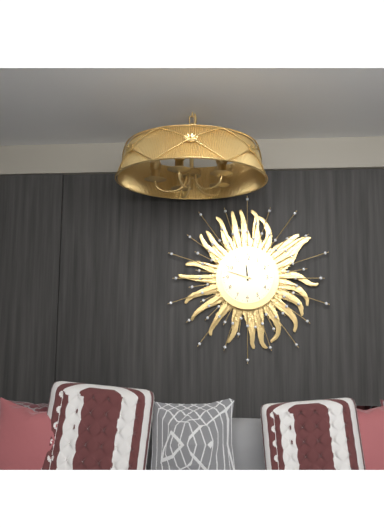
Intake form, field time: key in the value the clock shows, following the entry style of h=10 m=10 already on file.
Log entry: h=11 m=48
